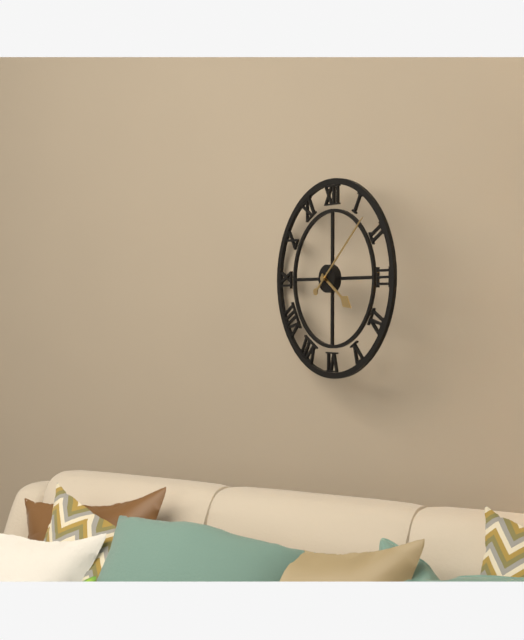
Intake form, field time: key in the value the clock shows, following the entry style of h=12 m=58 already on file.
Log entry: h=4 m=8
